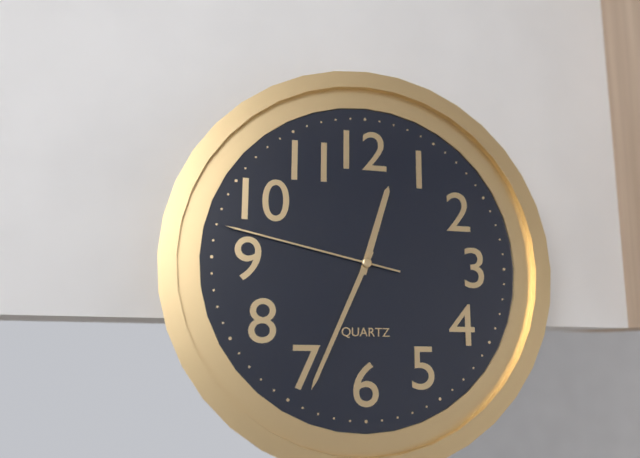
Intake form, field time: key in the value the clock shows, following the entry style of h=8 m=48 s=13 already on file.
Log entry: h=12 m=34 s=47
